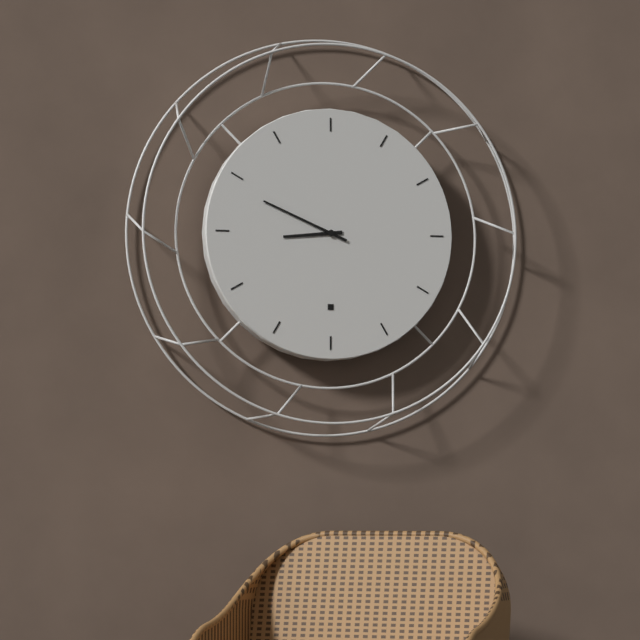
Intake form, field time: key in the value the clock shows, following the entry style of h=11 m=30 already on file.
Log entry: h=8 m=49
